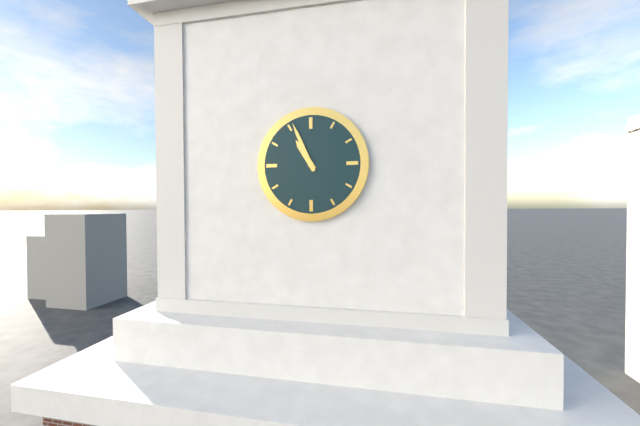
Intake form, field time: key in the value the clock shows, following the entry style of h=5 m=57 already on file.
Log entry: h=10 m=56
